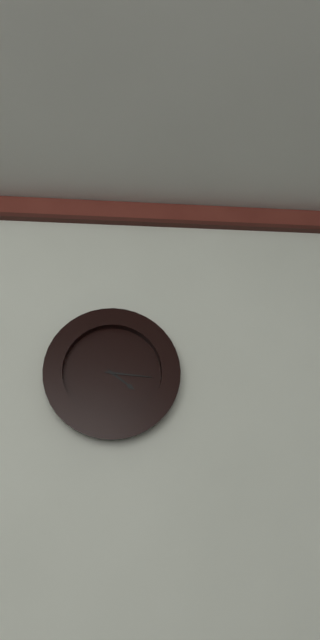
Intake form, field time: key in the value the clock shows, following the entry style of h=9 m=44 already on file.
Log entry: h=4 m=16
